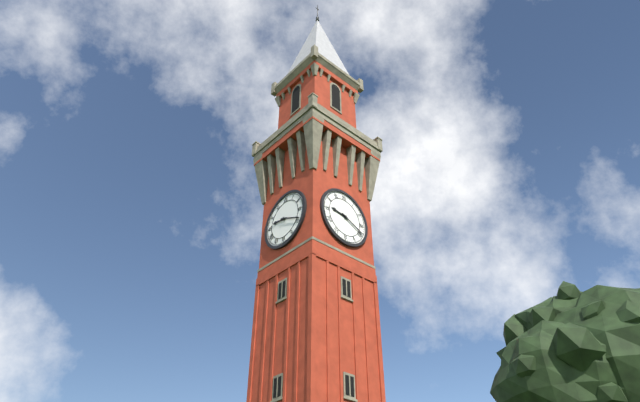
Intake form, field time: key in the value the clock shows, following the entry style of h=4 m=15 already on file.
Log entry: h=9 m=19
